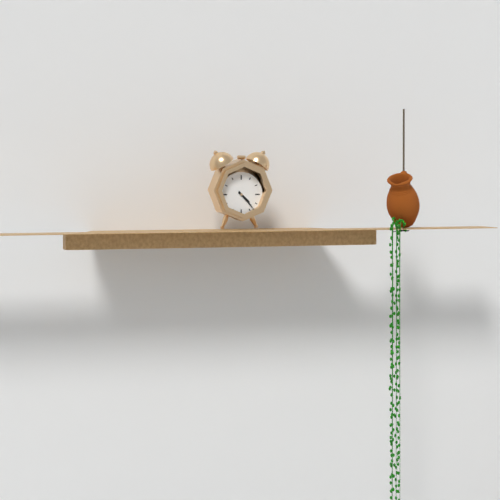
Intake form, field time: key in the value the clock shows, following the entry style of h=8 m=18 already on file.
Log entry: h=4 m=23
